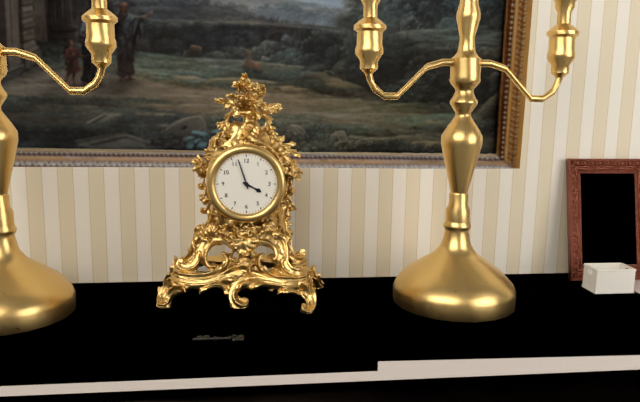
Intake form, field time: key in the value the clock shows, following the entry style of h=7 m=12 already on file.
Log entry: h=3 m=57
